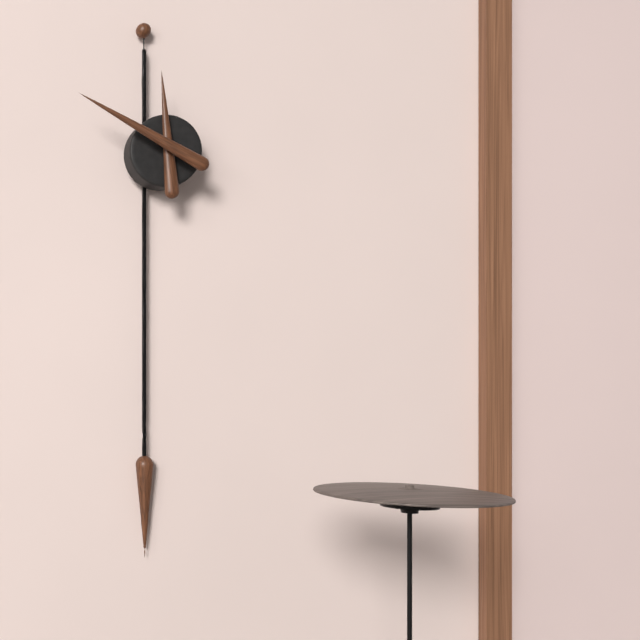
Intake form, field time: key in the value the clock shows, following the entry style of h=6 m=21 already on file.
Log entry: h=11 m=50
